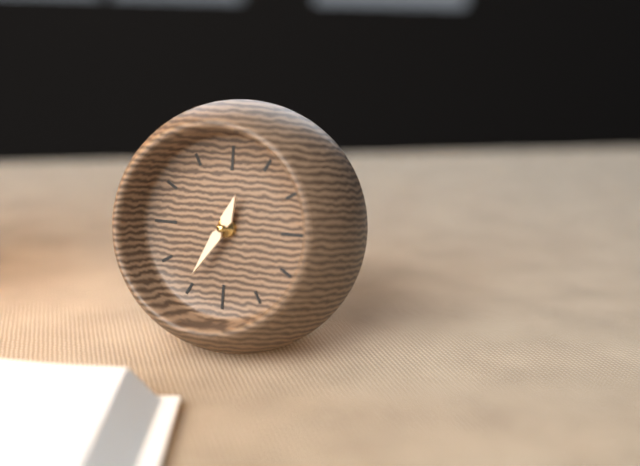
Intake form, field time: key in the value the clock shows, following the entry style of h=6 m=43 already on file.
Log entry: h=12 m=35
